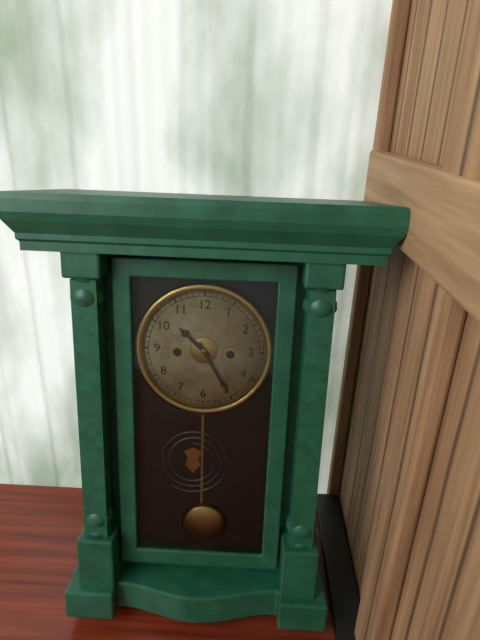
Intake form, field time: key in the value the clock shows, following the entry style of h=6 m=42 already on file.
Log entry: h=10 m=25
